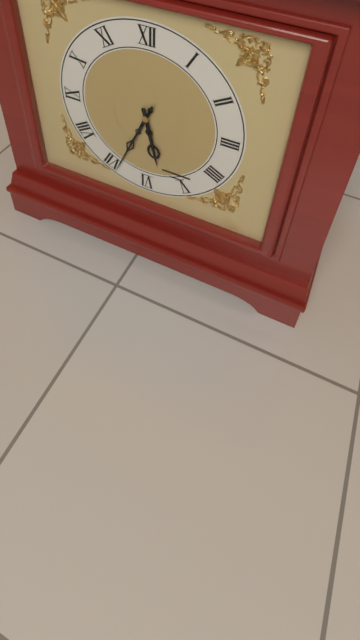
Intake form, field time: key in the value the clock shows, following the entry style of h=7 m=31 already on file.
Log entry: h=5 m=34
